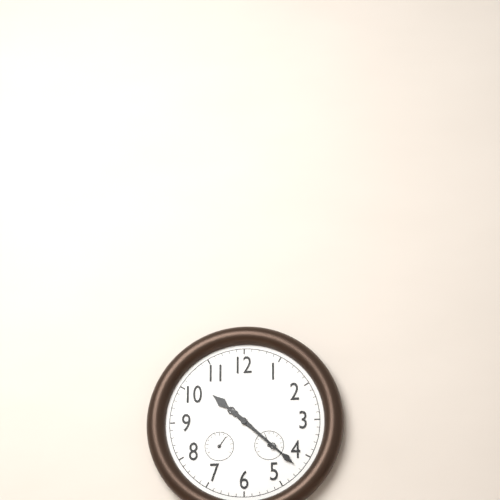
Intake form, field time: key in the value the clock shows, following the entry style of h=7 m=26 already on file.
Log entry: h=10 m=22
